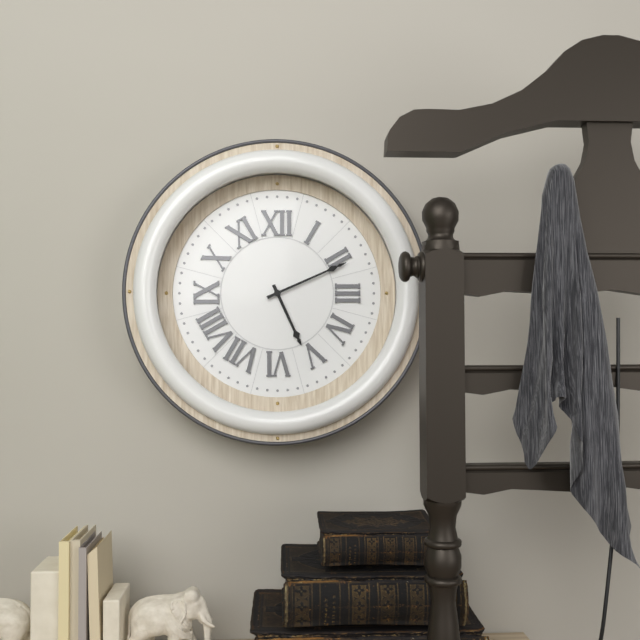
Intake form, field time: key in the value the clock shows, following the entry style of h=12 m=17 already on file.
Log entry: h=5 m=11
